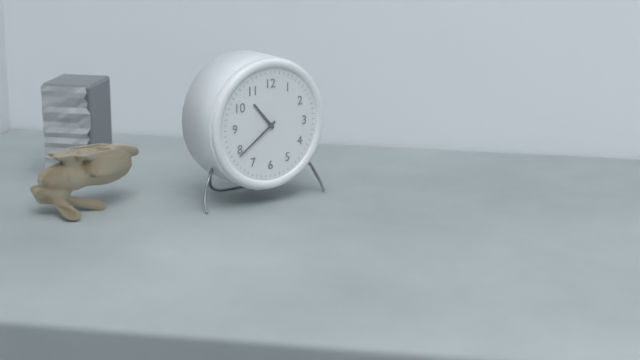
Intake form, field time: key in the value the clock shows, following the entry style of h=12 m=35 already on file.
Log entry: h=10 m=39
